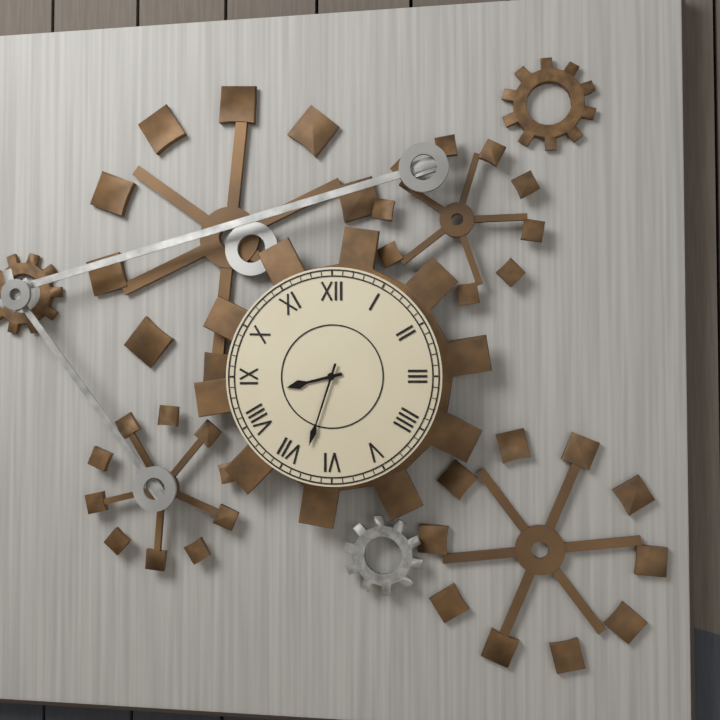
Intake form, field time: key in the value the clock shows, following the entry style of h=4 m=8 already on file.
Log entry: h=8 m=33
